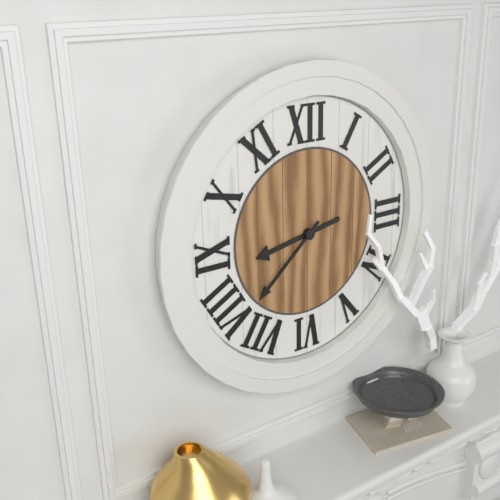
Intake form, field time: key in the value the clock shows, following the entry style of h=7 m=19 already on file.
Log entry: h=8 m=38
